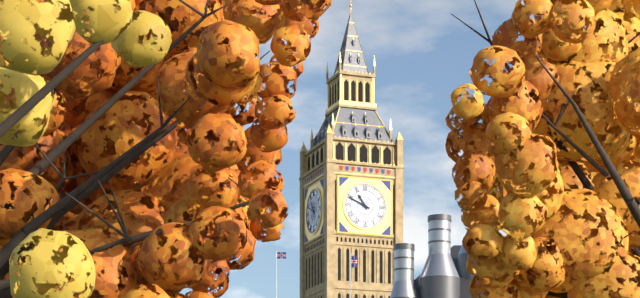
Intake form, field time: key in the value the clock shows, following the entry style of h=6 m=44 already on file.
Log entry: h=10 m=49
